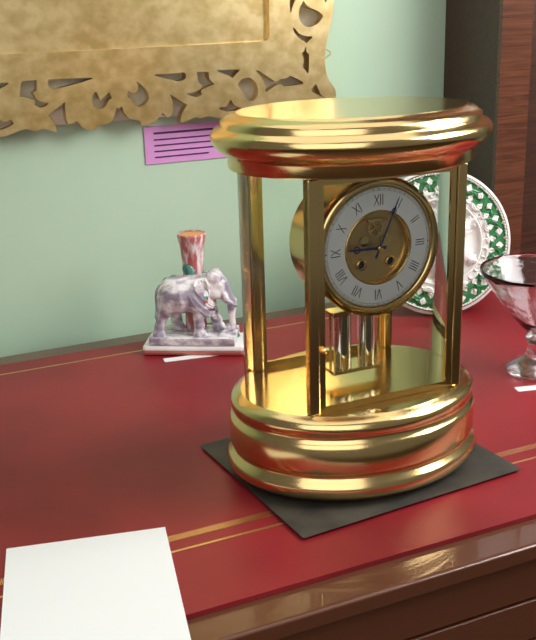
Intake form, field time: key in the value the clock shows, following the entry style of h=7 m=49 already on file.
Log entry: h=9 m=4
